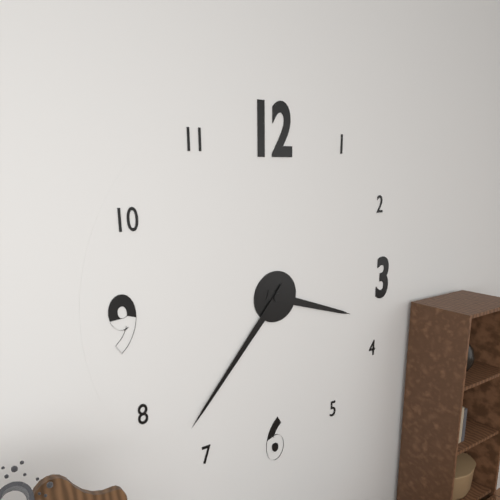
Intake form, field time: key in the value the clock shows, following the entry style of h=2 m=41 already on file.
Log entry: h=3 m=37
